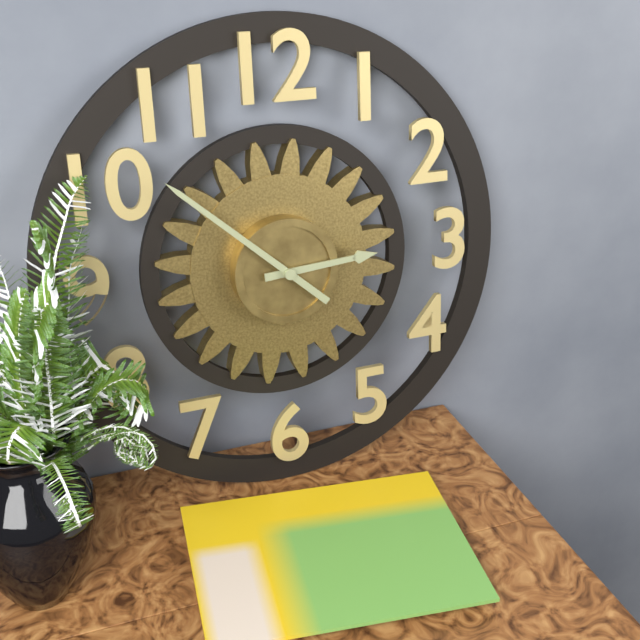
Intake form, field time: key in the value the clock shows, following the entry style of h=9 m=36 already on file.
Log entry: h=2 m=52
